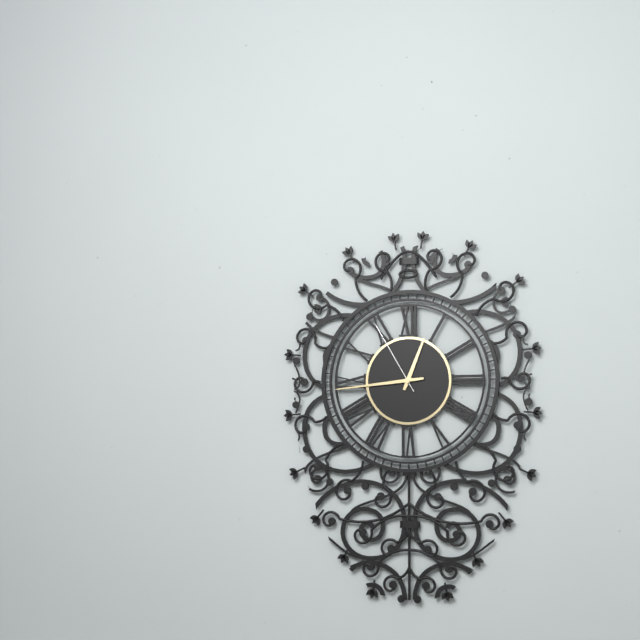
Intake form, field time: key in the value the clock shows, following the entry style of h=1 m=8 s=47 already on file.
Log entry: h=12 m=44 s=55
